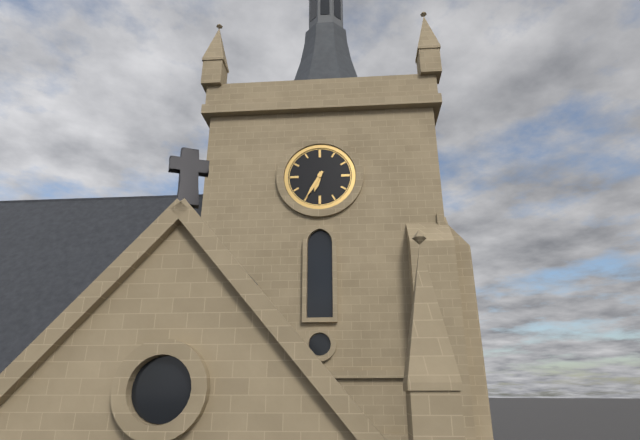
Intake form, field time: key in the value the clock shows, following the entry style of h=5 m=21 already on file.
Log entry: h=6 m=35
